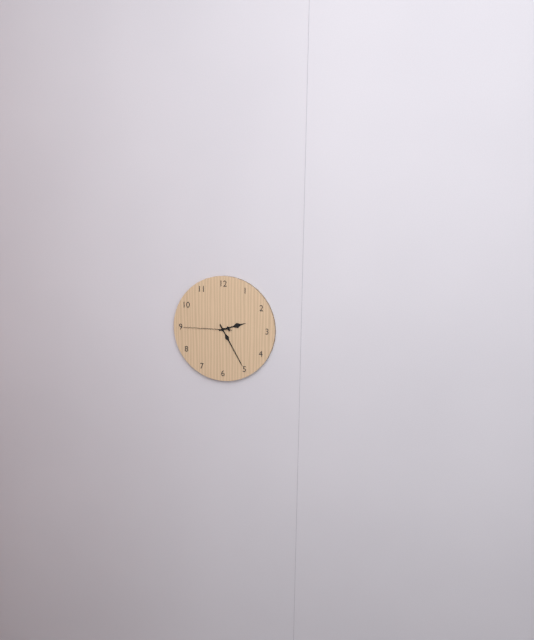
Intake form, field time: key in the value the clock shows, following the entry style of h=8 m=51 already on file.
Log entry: h=2 m=25
